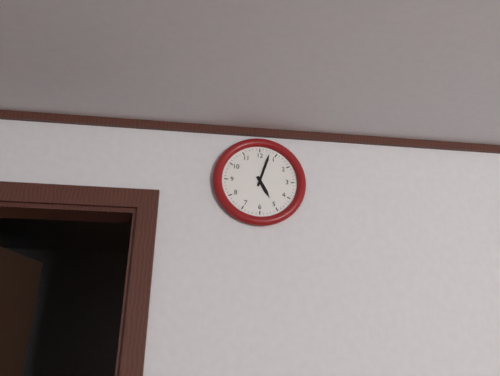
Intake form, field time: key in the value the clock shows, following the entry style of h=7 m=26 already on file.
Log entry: h=5 m=3
